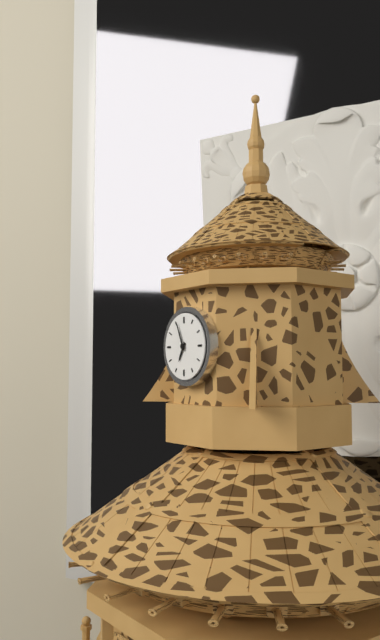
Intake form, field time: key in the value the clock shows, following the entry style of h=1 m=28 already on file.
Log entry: h=6 m=56
